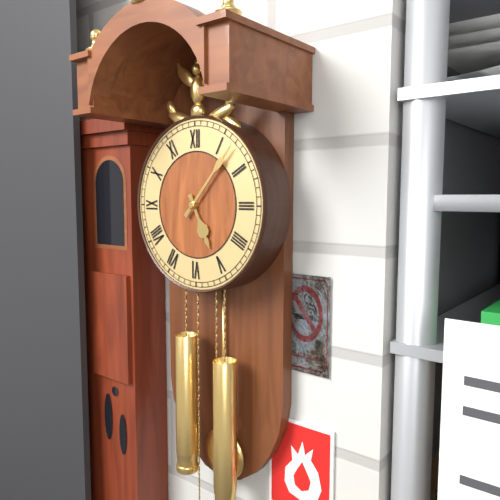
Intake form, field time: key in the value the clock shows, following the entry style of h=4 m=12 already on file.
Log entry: h=5 m=7
